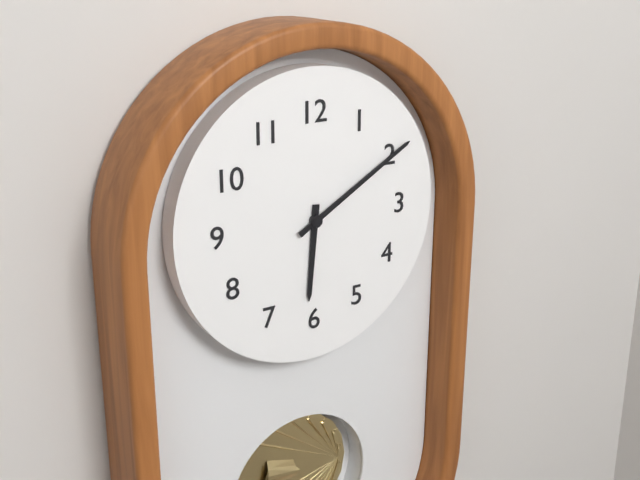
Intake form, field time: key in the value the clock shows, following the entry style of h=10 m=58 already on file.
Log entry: h=6 m=10
